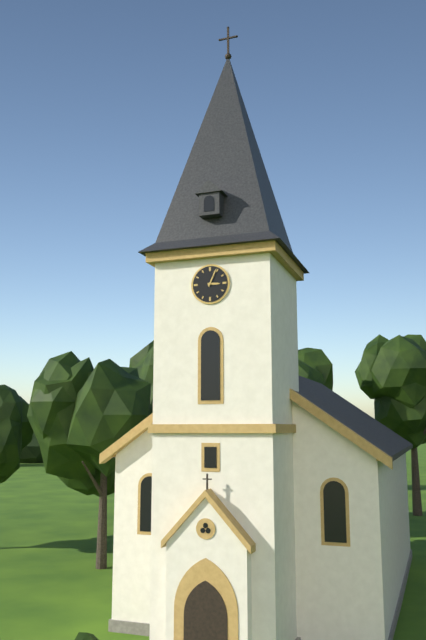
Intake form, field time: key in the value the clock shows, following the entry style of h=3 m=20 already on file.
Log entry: h=3 m=4
